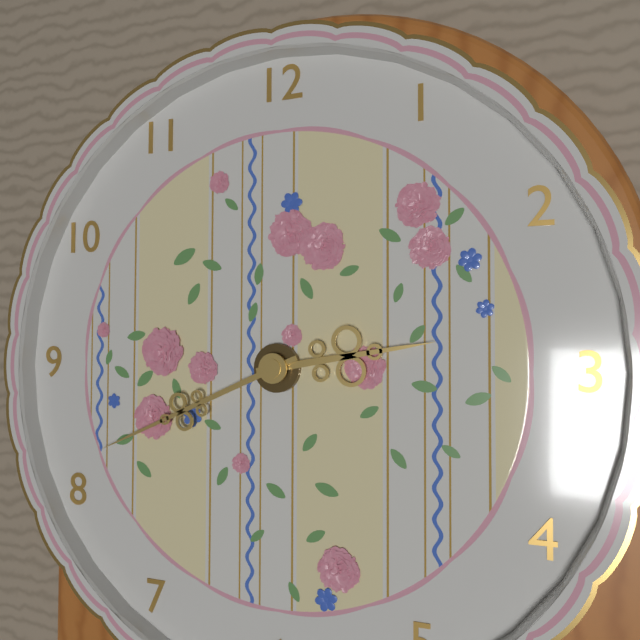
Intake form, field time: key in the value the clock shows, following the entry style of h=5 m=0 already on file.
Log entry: h=2 m=41
